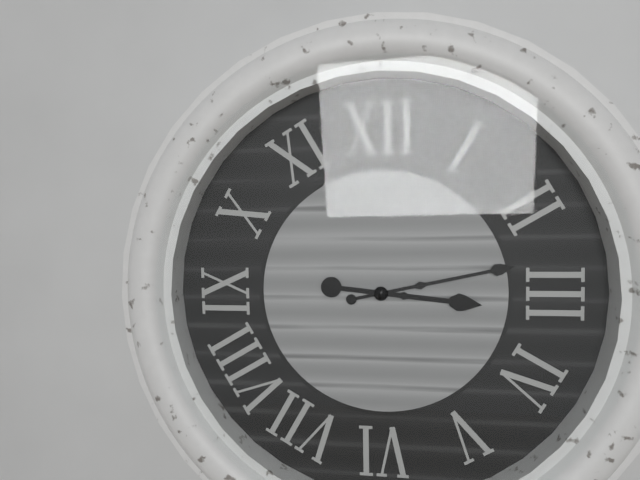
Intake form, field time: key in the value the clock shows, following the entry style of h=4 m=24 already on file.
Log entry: h=3 m=13
